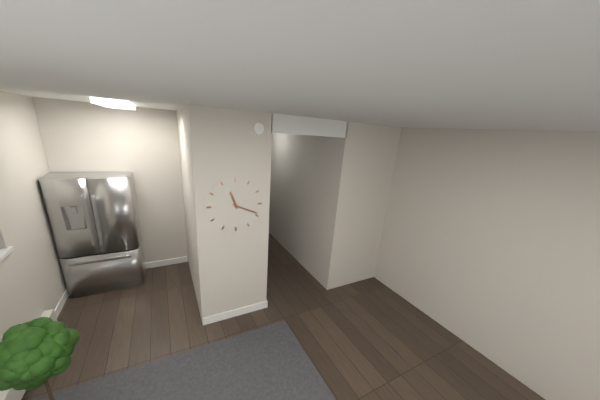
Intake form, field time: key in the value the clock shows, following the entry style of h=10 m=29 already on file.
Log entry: h=11 m=19
